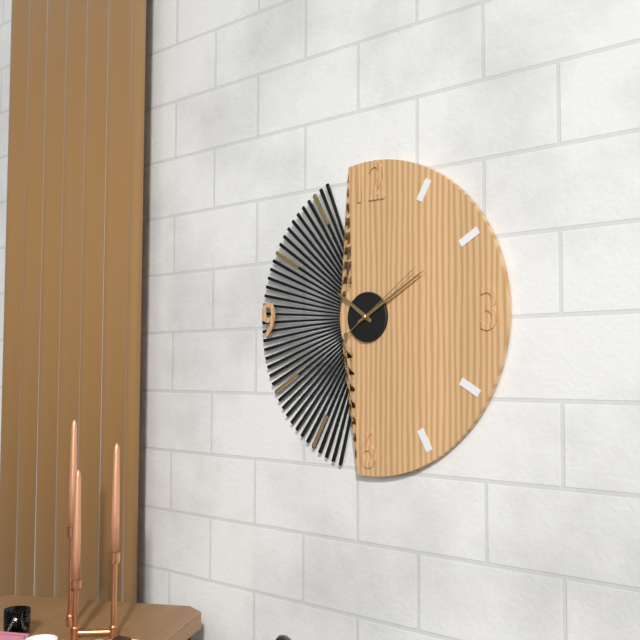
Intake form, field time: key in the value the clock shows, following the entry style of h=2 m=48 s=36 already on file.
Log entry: h=10 m=10 s=9
